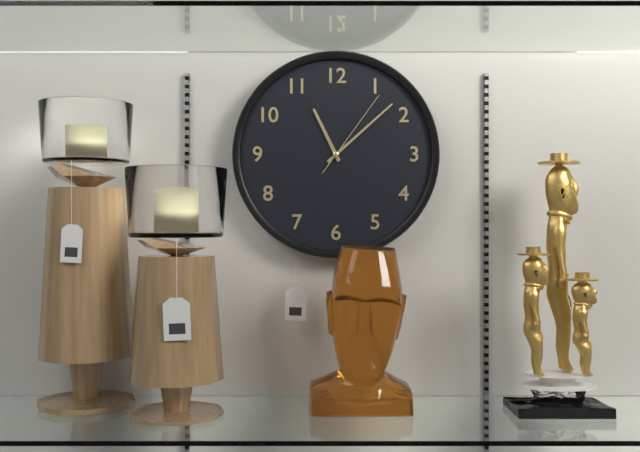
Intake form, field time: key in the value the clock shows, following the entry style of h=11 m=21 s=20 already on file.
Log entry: h=11 m=8 s=6
